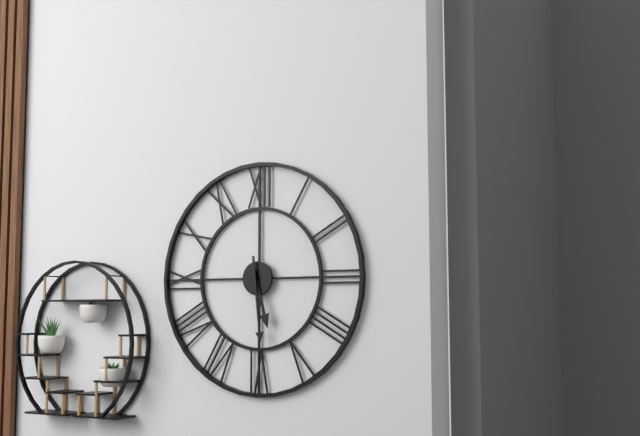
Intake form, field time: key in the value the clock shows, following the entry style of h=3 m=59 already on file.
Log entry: h=5 m=29
